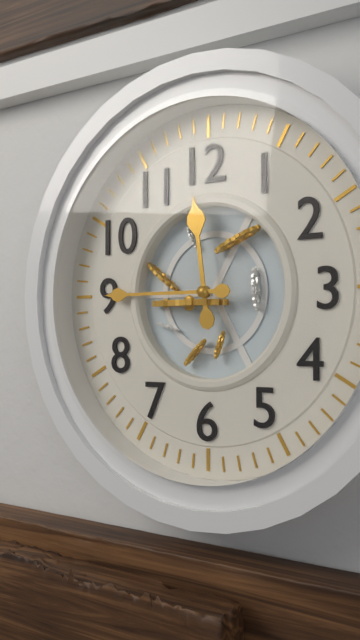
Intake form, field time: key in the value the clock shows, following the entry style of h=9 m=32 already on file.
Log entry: h=11 m=45
